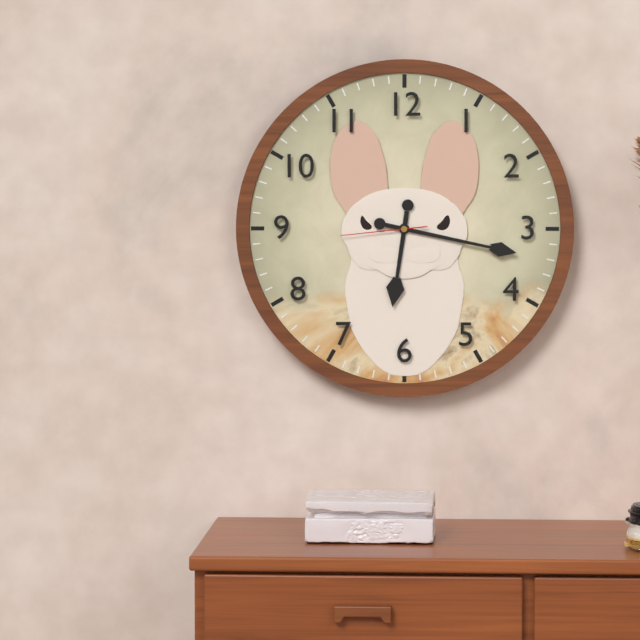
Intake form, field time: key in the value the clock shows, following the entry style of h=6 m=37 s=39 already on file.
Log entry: h=6 m=17 s=44
